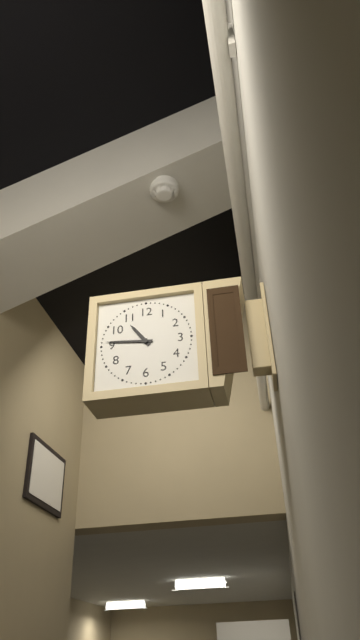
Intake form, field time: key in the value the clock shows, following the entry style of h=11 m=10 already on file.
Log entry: h=10 m=46
